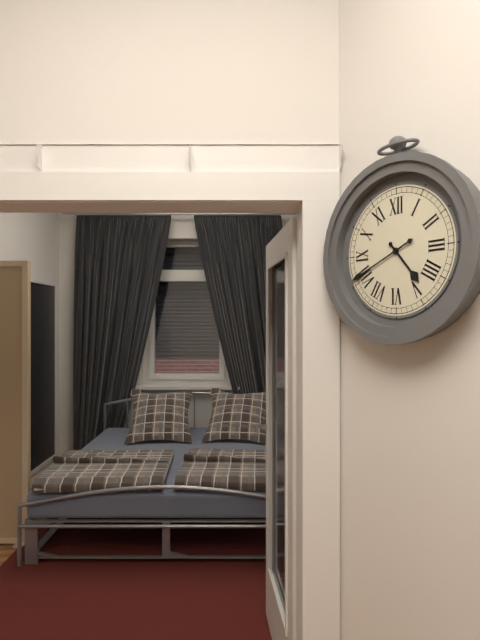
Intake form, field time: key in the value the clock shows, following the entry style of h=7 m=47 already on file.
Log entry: h=4 m=41
